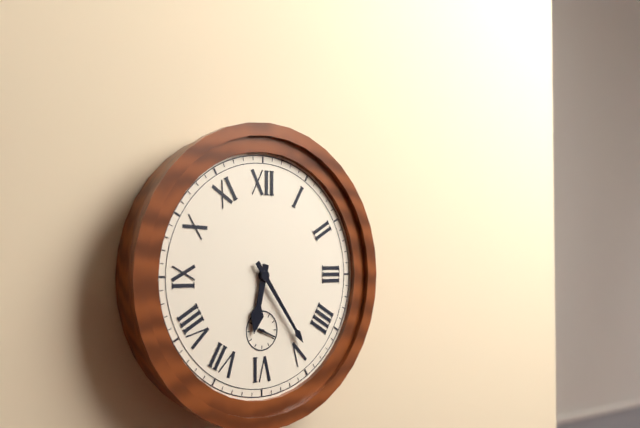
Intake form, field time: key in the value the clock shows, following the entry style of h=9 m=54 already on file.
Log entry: h=6 m=24
